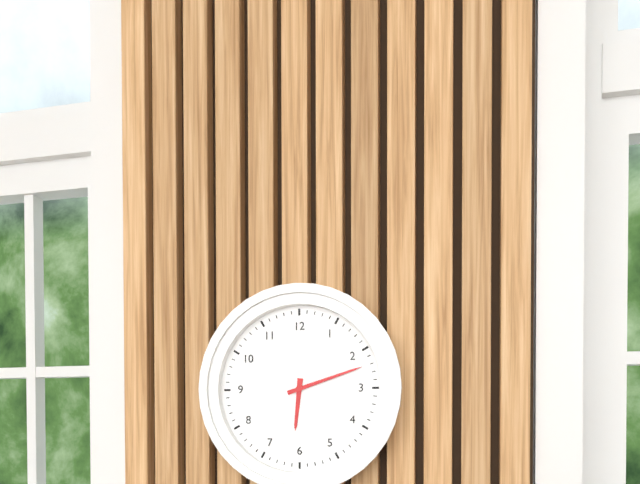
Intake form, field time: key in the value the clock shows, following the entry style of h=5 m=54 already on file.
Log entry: h=6 m=12
